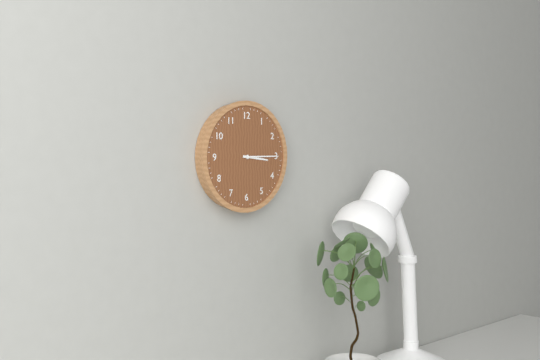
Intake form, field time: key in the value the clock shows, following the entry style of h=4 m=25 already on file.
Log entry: h=3 m=15
